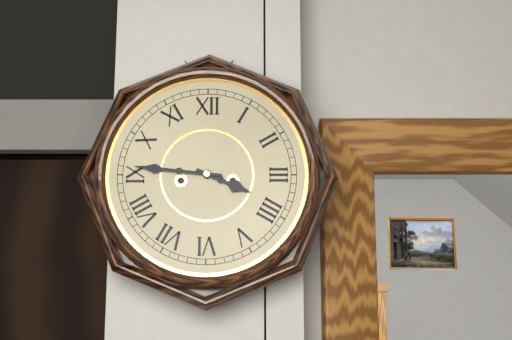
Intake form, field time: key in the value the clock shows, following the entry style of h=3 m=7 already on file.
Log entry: h=3 m=46
